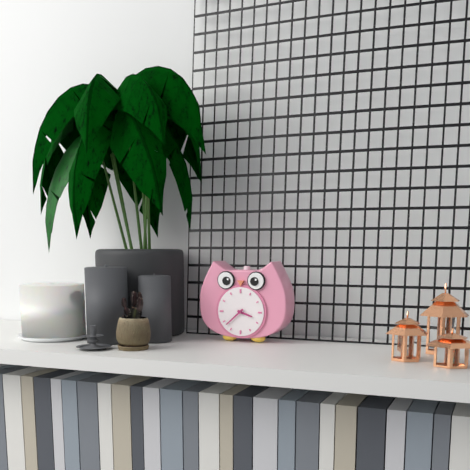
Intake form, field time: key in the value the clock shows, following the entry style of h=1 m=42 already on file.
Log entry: h=3 m=38
